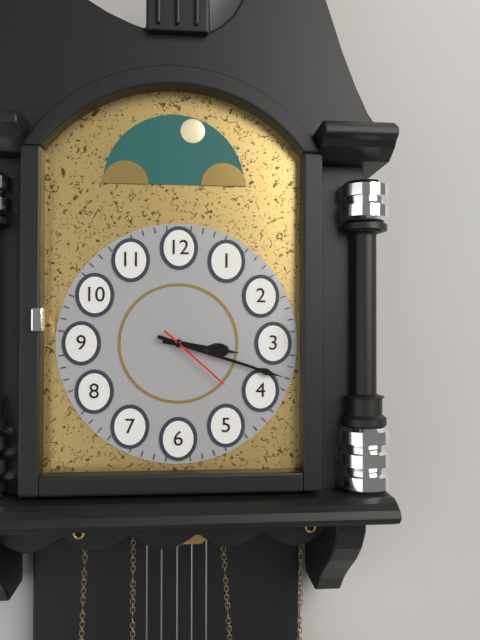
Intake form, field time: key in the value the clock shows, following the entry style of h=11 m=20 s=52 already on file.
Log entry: h=3 m=18 s=22
